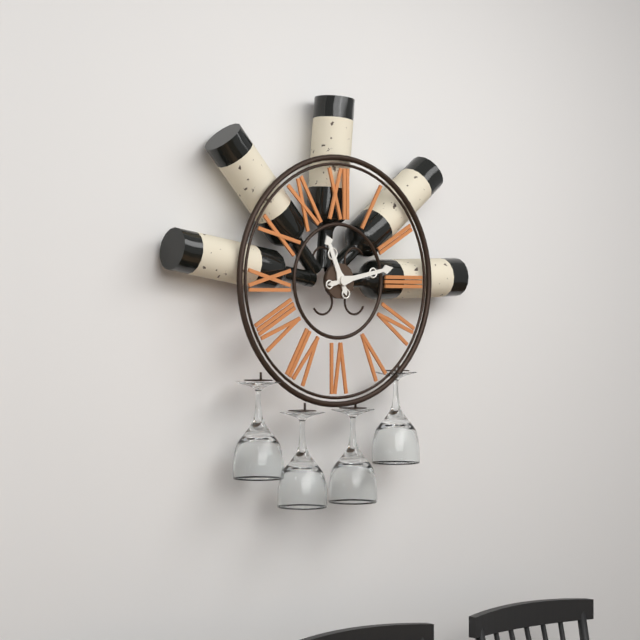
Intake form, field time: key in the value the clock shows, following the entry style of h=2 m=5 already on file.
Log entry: h=11 m=13
